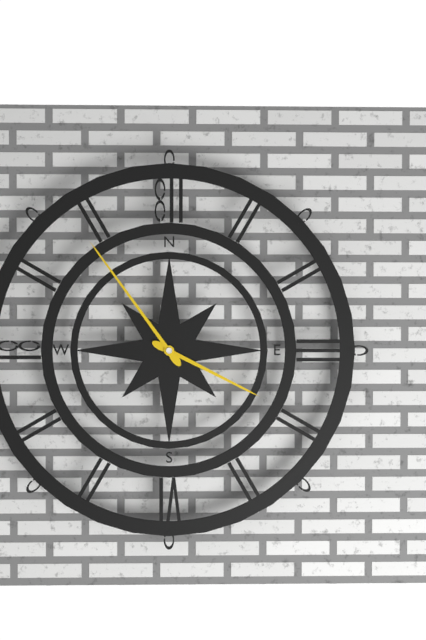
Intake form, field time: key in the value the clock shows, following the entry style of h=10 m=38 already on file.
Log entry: h=3 m=54
